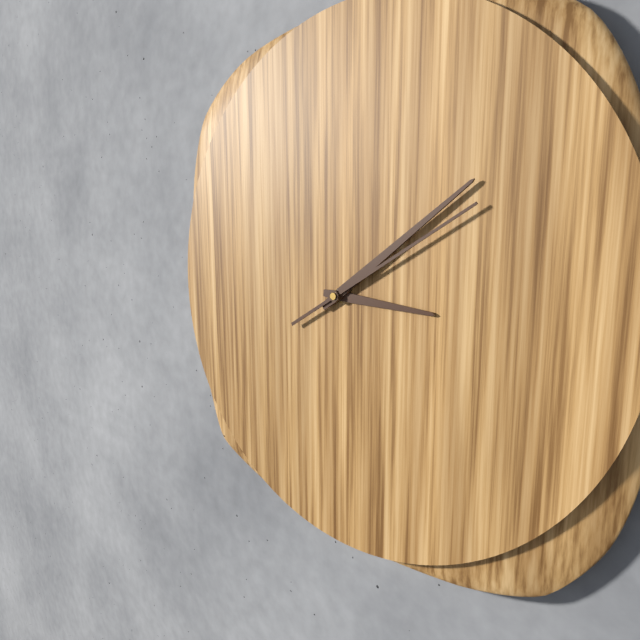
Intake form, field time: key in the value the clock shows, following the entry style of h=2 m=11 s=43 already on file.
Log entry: h=3 m=9 s=10
